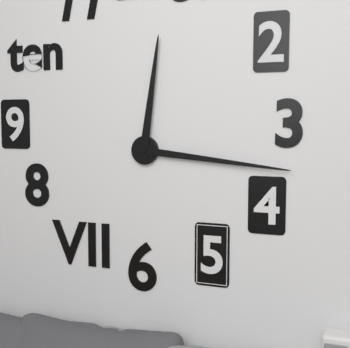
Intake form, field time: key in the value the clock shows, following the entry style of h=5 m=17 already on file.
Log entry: h=12 m=16
